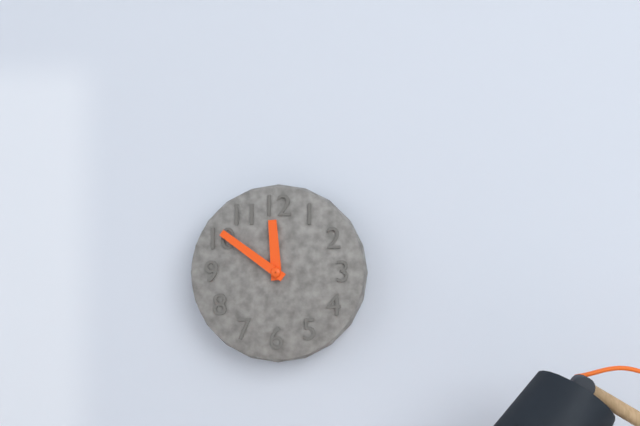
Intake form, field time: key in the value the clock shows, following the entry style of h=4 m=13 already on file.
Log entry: h=11 m=51
